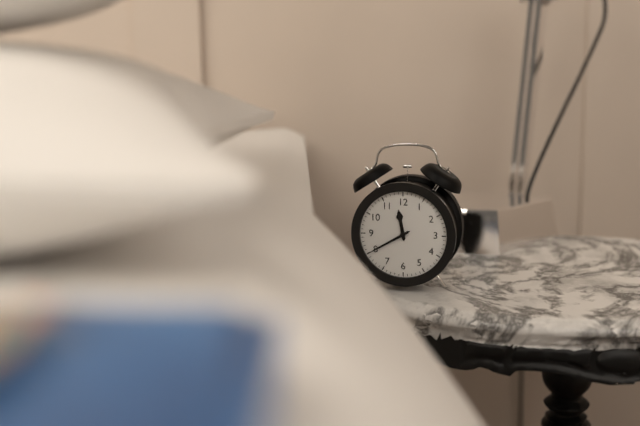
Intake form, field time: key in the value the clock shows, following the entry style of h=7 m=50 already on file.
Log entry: h=11 m=40
